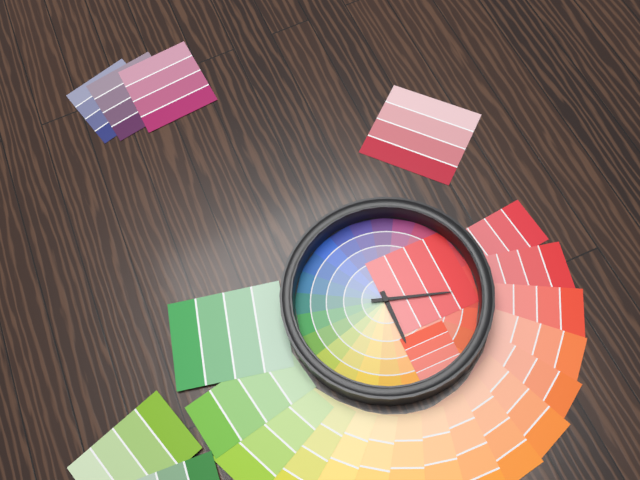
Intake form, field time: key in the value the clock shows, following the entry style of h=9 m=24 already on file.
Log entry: h=3 m=3
